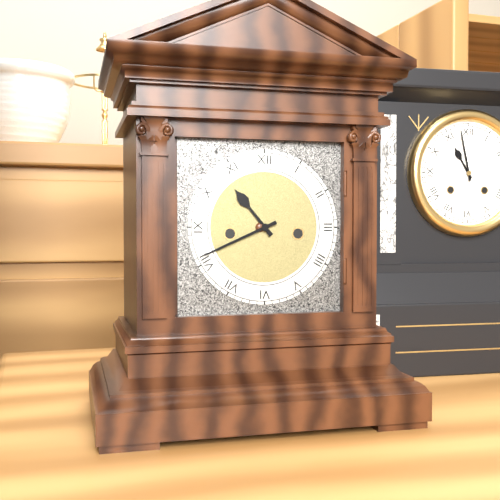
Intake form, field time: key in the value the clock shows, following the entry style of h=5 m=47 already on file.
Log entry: h=10 m=41
